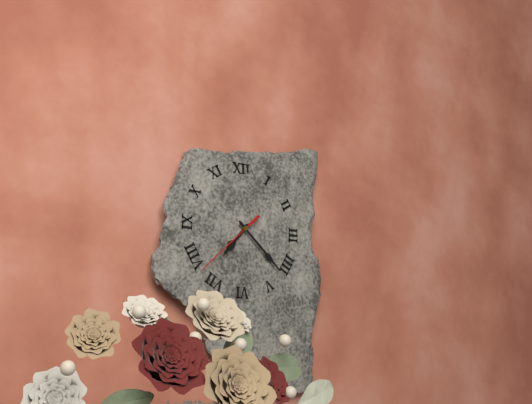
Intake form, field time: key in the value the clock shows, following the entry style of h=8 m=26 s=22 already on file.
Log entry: h=7 m=22 s=38
